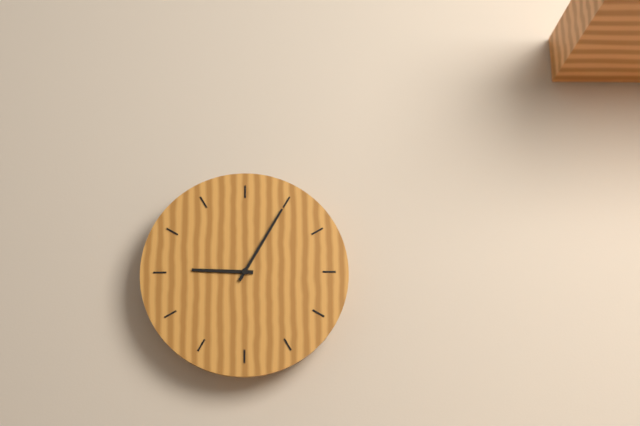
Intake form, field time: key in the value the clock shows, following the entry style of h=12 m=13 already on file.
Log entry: h=9 m=5
